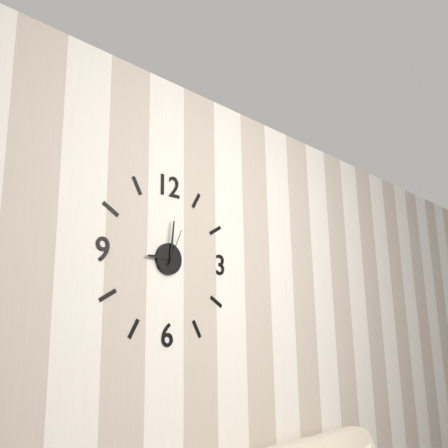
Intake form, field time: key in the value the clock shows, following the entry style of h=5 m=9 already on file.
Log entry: h=9 m=1
